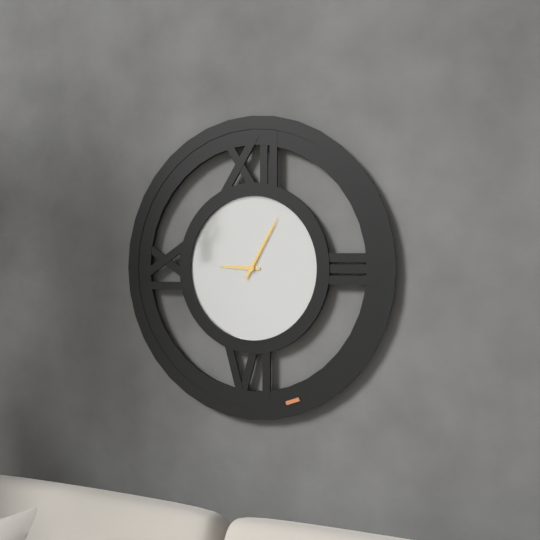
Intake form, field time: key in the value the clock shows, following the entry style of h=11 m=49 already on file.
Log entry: h=9 m=5
